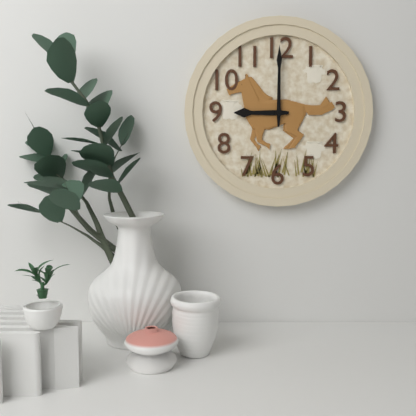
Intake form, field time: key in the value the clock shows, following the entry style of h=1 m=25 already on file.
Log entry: h=9 m=0
